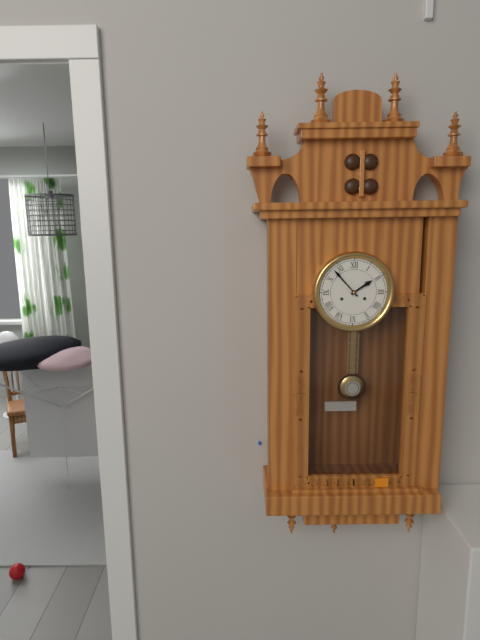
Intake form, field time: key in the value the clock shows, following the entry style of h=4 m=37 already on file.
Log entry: h=1 m=53
